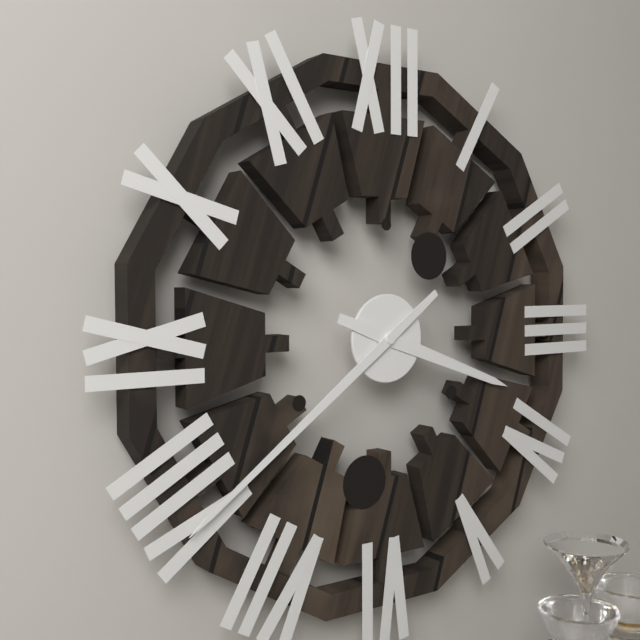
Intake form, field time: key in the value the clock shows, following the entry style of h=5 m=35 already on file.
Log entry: h=3 m=39
